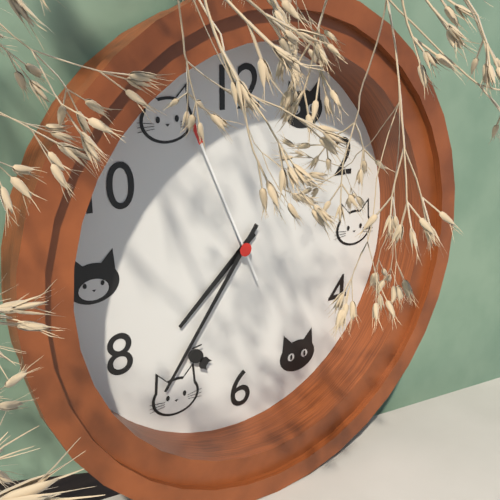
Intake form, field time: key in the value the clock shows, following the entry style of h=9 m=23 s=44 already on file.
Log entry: h=7 m=36 s=56
